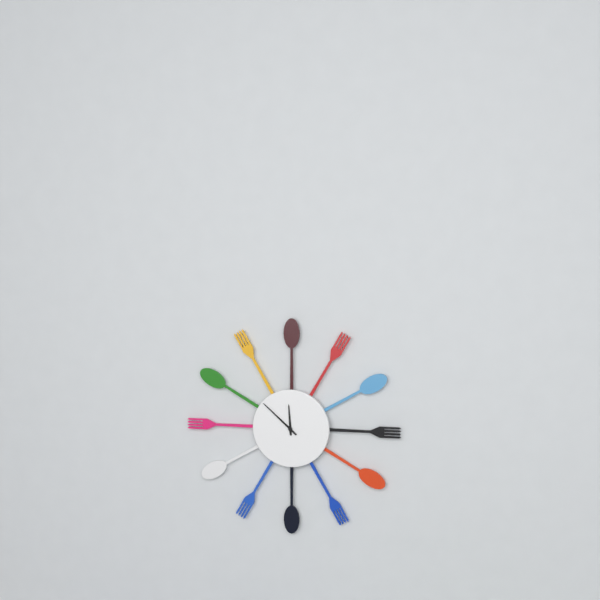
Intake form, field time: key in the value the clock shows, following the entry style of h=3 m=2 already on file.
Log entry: h=11 m=52
